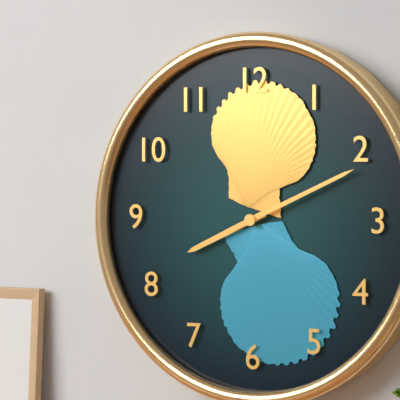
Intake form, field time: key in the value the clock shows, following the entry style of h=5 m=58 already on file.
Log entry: h=8 m=11
